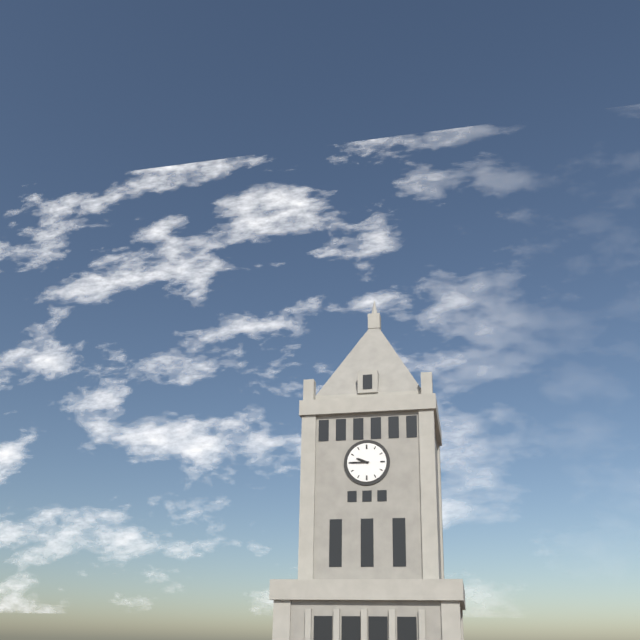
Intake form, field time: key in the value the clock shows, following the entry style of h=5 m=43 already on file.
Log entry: h=9 m=45
